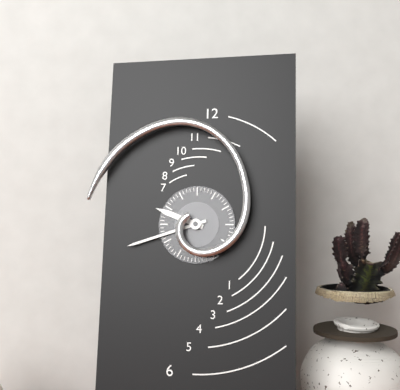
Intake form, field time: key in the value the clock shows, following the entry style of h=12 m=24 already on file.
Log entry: h=9 m=42
